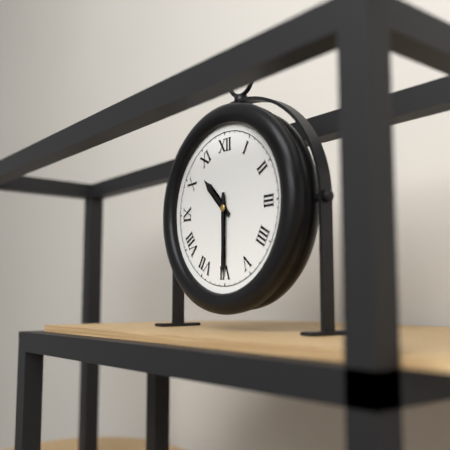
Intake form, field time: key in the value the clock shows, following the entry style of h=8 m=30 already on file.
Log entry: h=10 m=30
